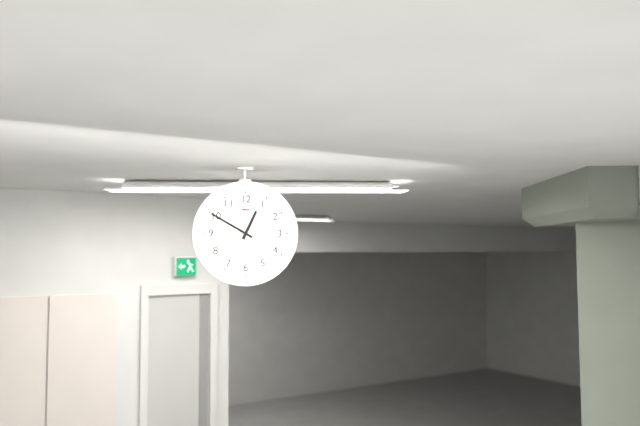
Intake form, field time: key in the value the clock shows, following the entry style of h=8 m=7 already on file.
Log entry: h=12 m=50
